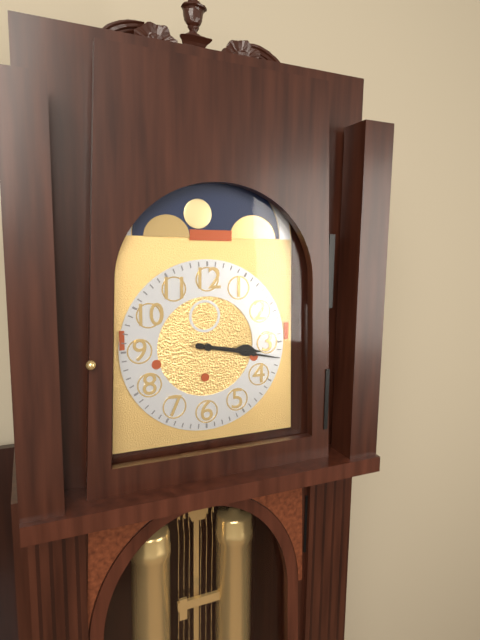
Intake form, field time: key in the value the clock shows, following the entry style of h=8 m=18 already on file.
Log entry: h=3 m=17
